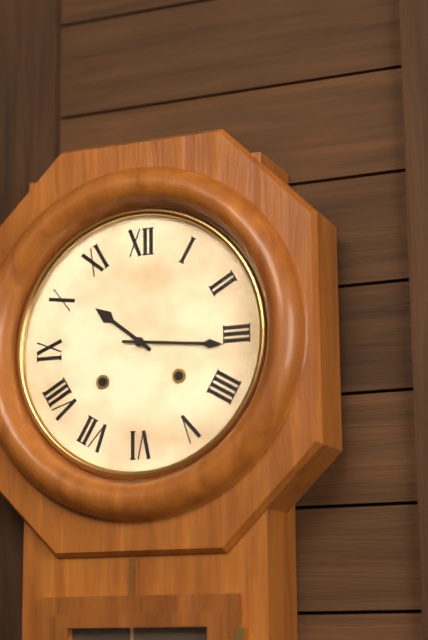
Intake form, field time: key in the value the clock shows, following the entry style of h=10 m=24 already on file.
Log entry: h=10 m=16
